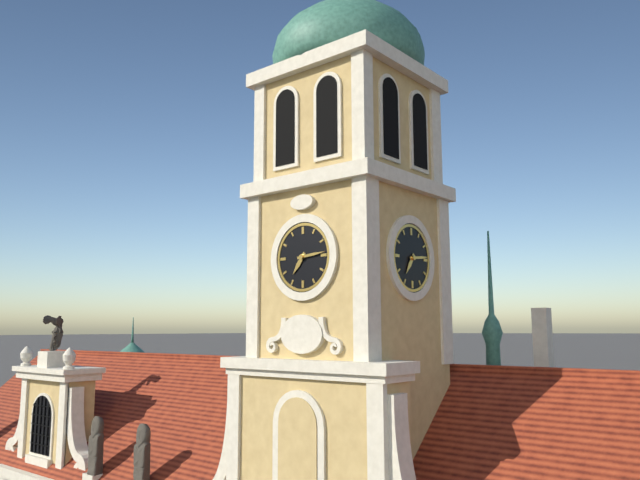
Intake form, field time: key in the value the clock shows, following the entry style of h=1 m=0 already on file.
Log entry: h=7 m=14
